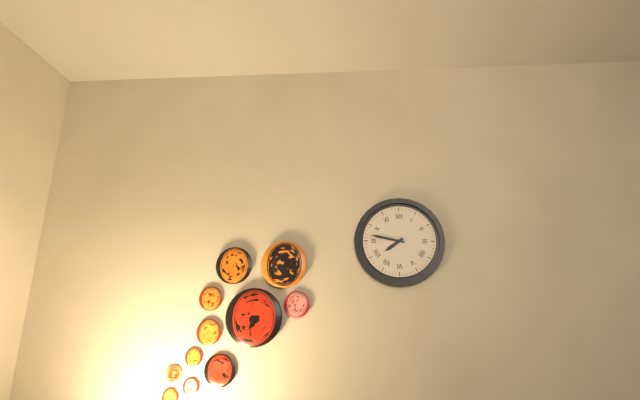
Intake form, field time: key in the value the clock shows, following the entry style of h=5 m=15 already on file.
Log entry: h=7 m=47
